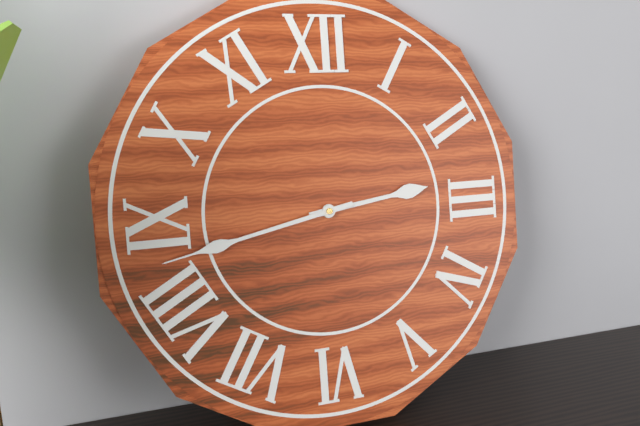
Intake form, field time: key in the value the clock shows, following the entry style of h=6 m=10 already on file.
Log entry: h=2 m=43
